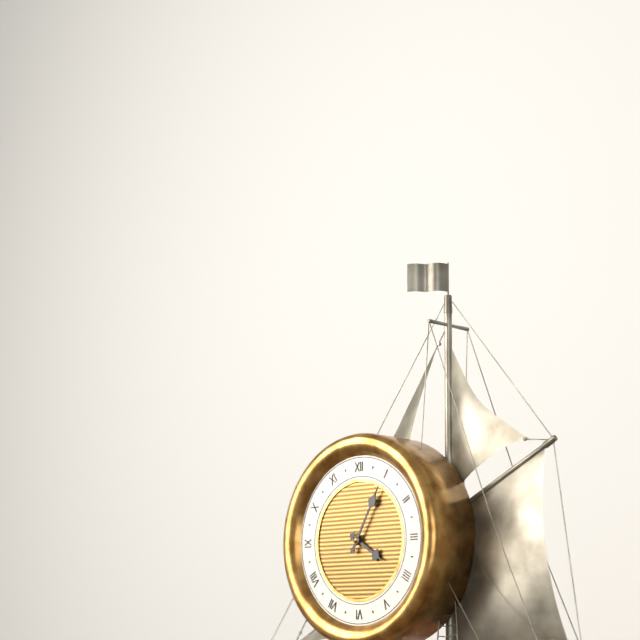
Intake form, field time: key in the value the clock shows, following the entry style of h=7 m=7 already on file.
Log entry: h=4 m=5
